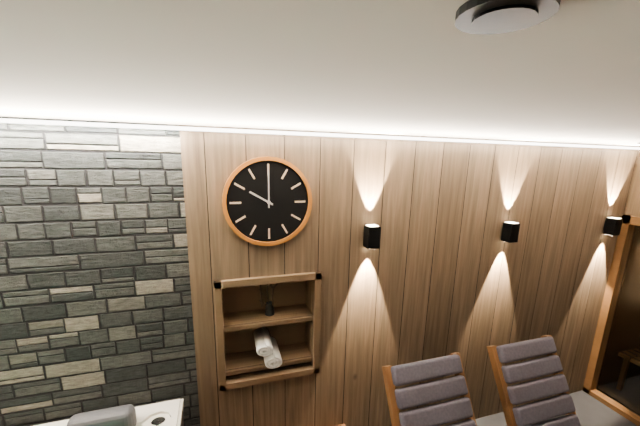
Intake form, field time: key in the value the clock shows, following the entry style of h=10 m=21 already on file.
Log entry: h=10 m=0
